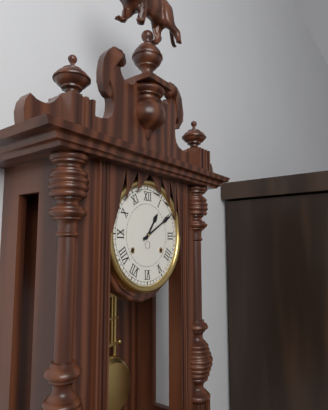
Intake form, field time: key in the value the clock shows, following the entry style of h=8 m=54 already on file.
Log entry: h=1 m=10
